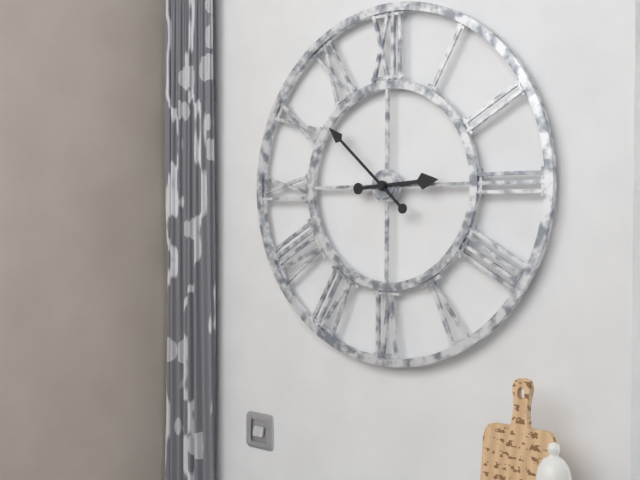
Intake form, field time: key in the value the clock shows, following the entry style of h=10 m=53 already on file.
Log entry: h=2 m=52
